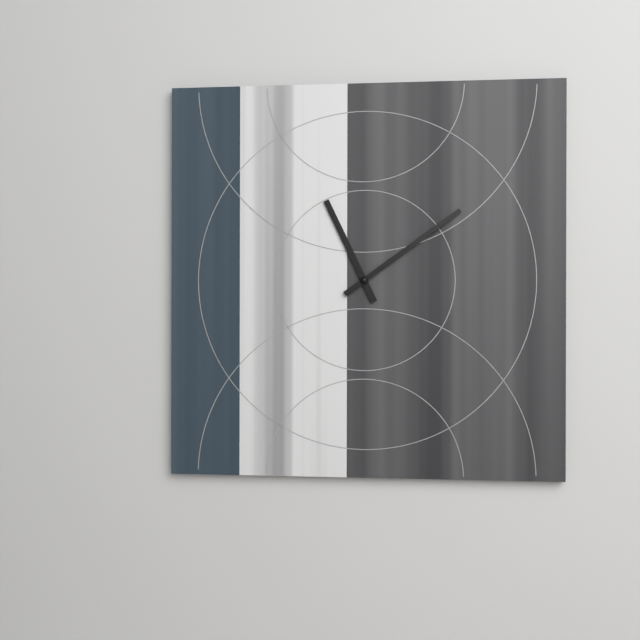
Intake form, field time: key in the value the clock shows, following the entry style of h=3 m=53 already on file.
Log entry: h=11 m=9
